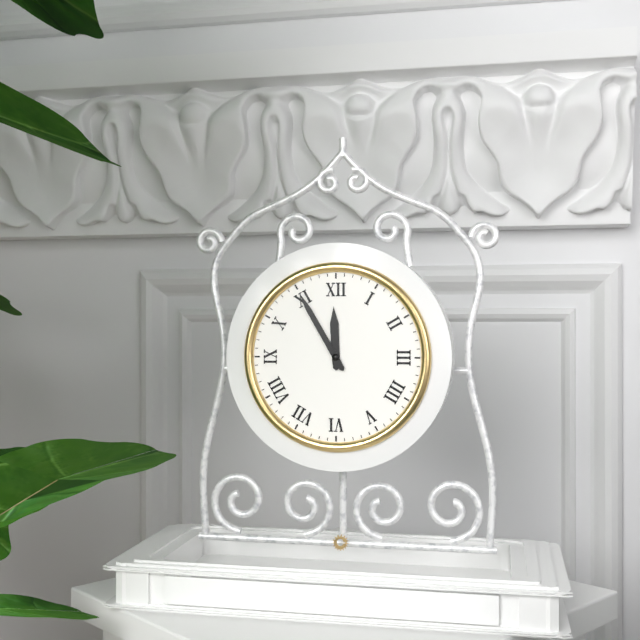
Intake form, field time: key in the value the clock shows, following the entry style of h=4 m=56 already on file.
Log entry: h=11 m=55
